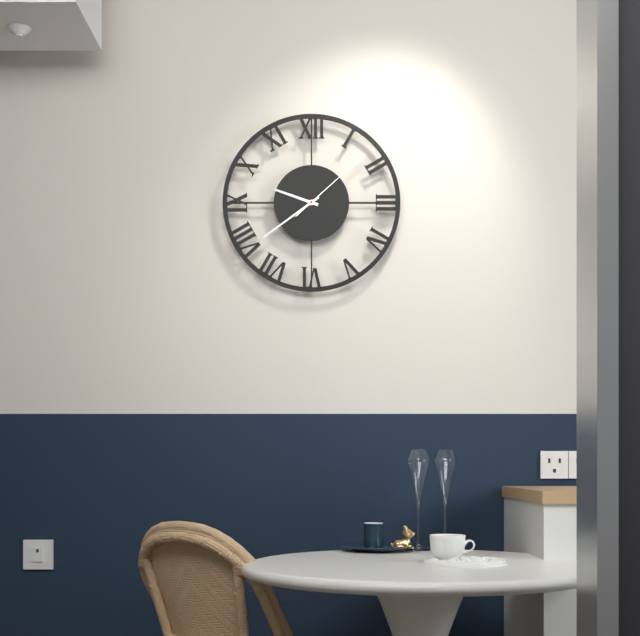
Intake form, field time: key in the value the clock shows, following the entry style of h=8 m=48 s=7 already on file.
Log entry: h=9 m=39 s=8
